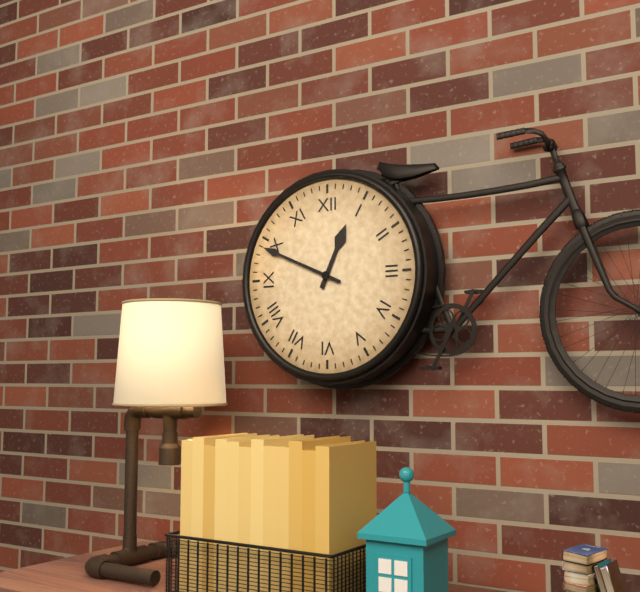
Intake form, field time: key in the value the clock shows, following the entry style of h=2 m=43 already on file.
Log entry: h=12 m=49
